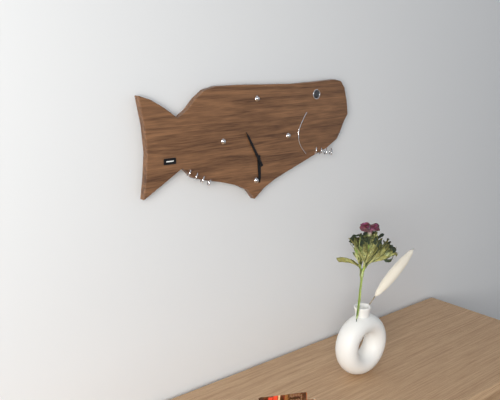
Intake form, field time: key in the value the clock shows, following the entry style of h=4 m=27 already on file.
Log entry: h=5 m=55
